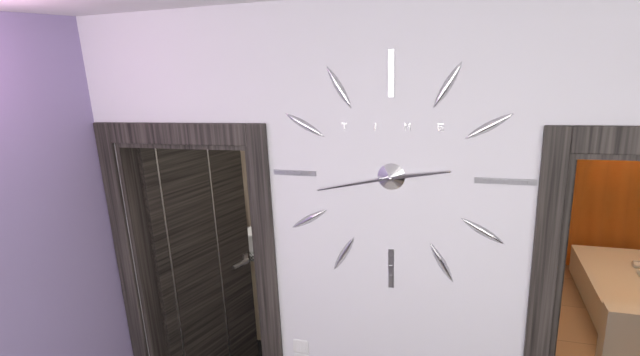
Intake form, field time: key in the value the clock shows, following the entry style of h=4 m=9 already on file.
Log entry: h=2 m=43
